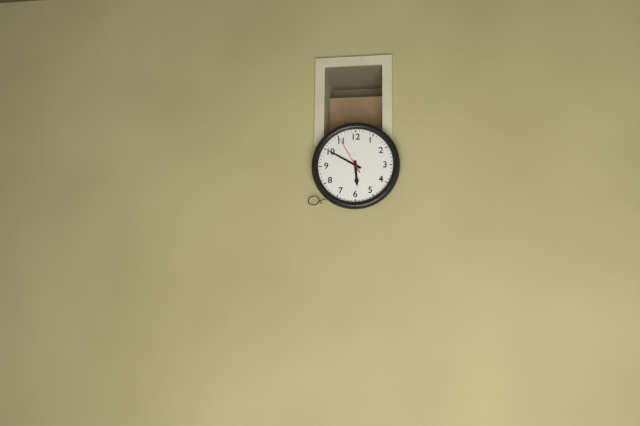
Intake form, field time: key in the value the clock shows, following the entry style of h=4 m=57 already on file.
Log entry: h=5 m=50
